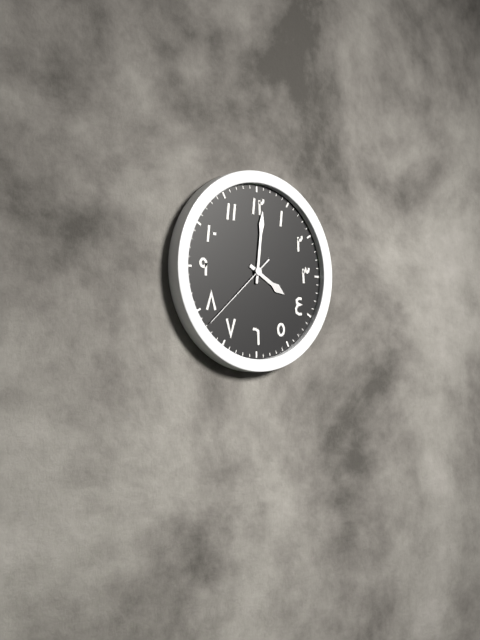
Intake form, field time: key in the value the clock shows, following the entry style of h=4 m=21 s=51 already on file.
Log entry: h=4 m=1 s=38
